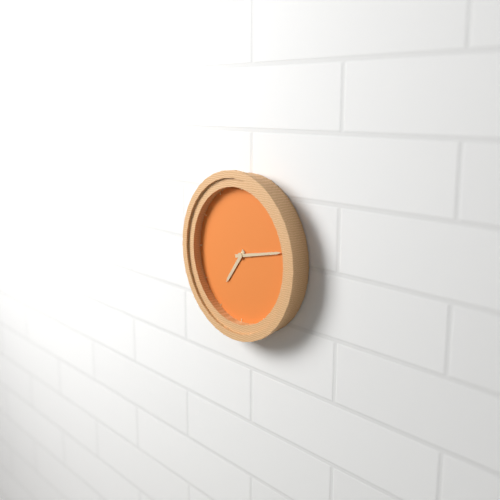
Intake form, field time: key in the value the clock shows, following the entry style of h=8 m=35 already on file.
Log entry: h=7 m=13
